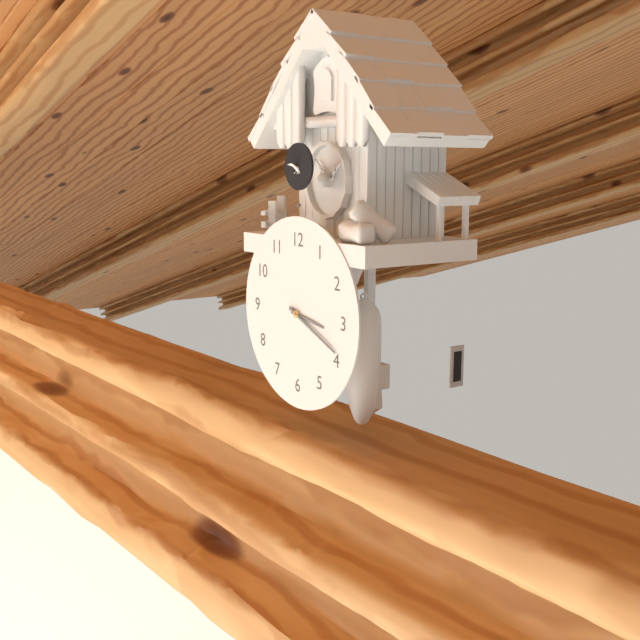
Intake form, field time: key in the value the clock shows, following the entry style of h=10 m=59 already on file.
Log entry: h=3 m=19
